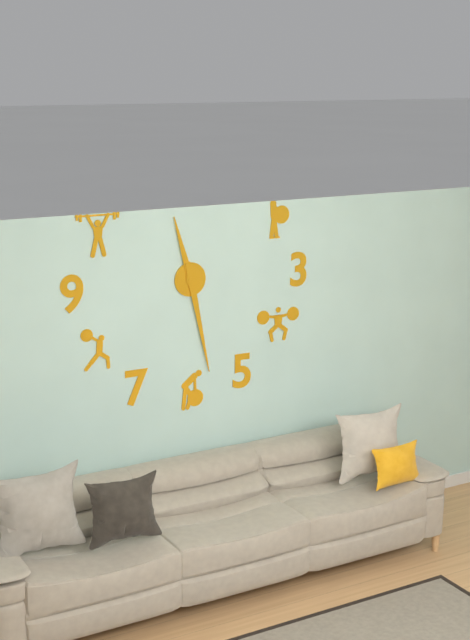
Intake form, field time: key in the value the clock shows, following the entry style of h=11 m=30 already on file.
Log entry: h=11 m=28
